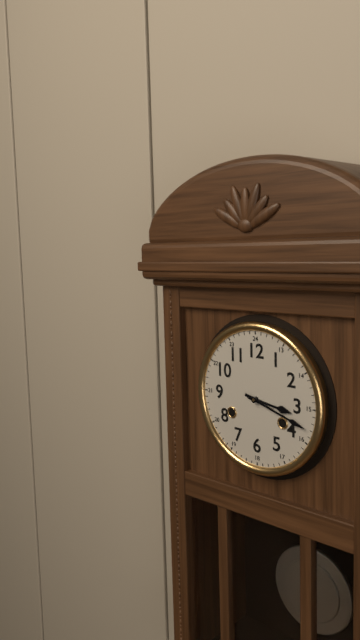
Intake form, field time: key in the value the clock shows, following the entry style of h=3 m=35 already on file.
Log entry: h=3 m=18
